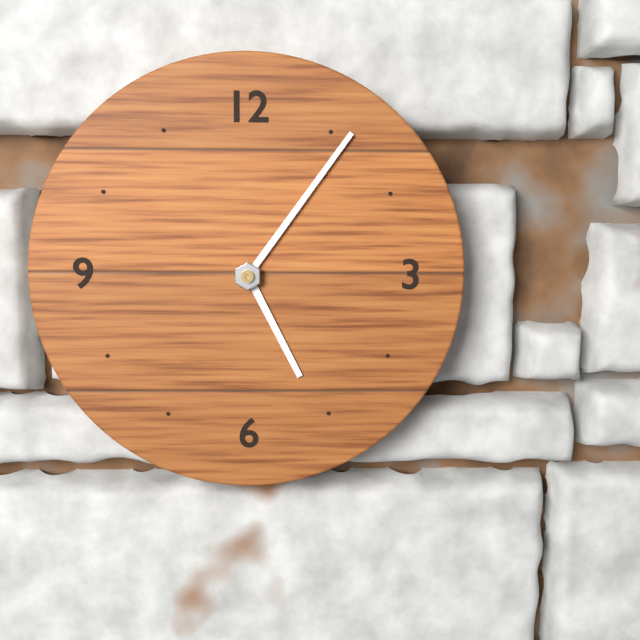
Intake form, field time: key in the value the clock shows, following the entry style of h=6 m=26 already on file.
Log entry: h=5 m=6
